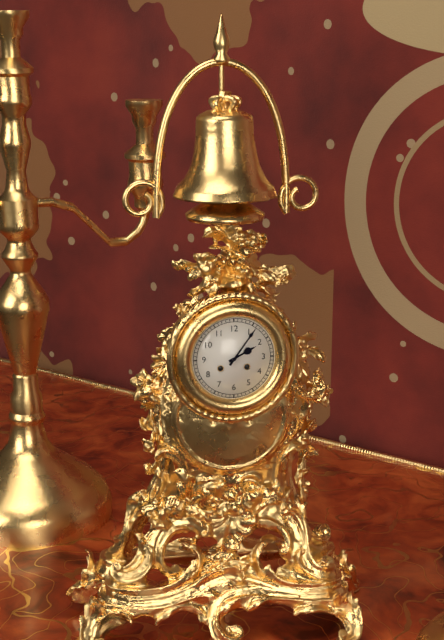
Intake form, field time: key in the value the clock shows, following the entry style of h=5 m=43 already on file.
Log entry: h=2 m=6
